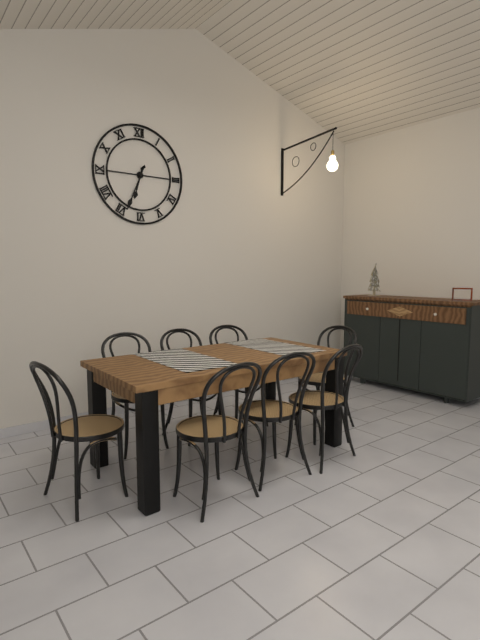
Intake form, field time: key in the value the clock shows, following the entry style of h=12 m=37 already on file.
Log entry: h=6 m=34
